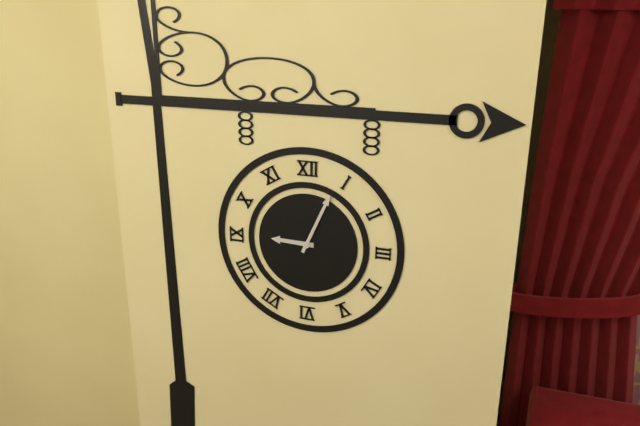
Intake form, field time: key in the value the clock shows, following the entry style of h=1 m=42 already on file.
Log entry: h=9 m=4
